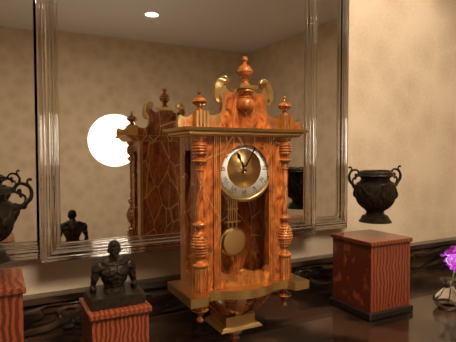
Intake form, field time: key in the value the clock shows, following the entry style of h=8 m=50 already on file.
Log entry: h=11 m=5
